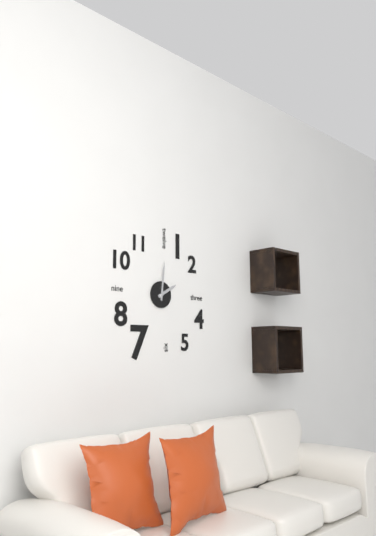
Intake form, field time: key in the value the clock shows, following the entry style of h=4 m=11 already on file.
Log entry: h=2 m=1
